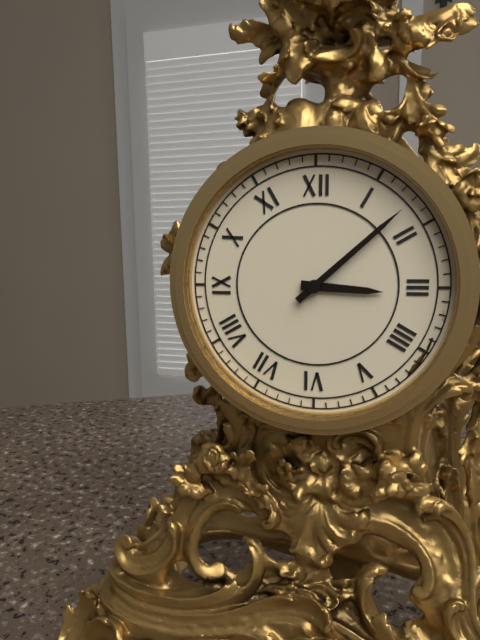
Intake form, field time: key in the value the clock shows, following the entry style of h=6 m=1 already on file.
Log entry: h=3 m=8
